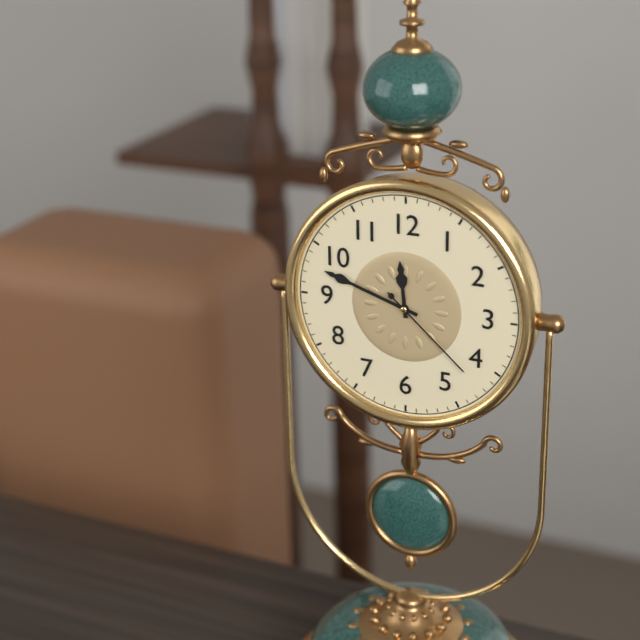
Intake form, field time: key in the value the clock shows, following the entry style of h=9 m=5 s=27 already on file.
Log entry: h=11 m=48 s=22
